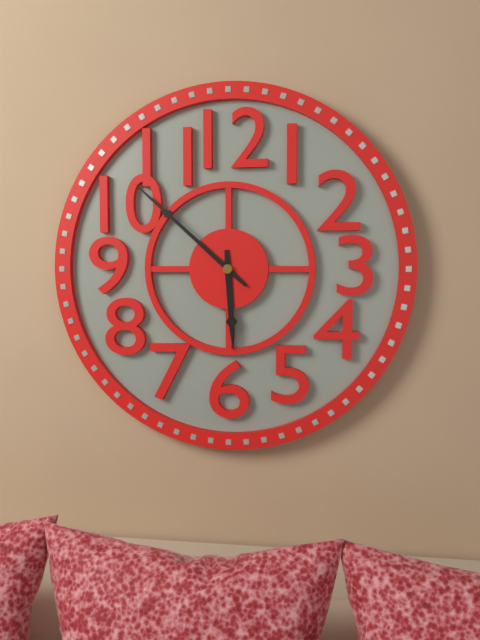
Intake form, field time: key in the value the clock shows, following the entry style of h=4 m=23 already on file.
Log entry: h=5 m=52
